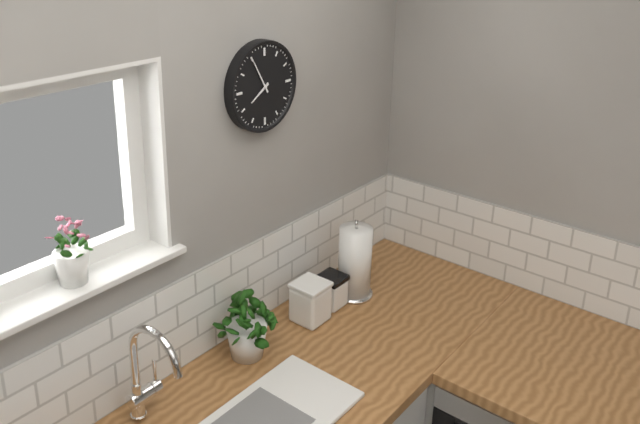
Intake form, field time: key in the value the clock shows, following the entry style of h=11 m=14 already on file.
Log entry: h=7 m=55
